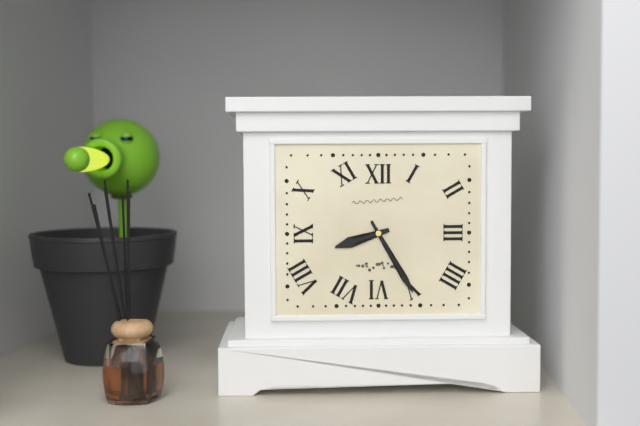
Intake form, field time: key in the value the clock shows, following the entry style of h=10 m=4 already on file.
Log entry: h=8 m=25
